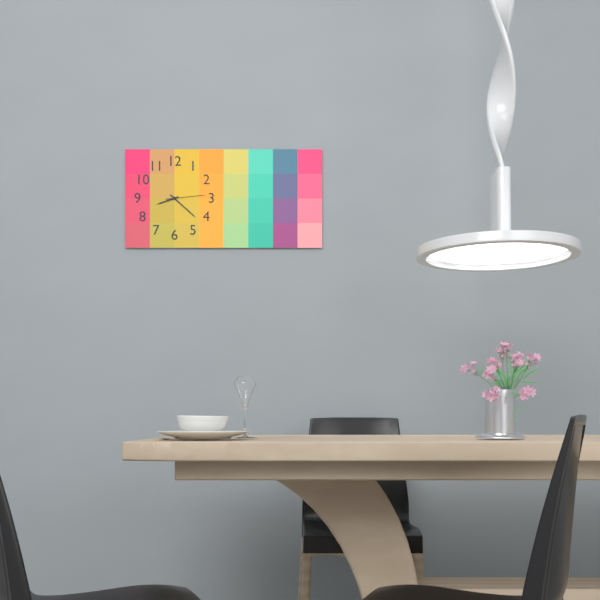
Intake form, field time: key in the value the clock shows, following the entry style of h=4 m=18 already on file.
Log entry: h=8 m=22
